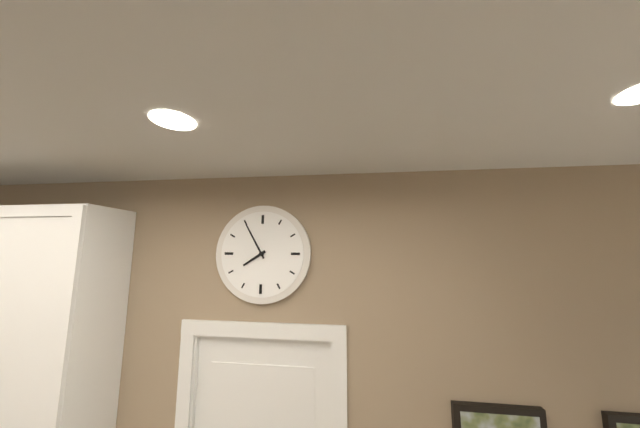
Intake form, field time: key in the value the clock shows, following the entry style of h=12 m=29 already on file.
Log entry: h=7 m=55
